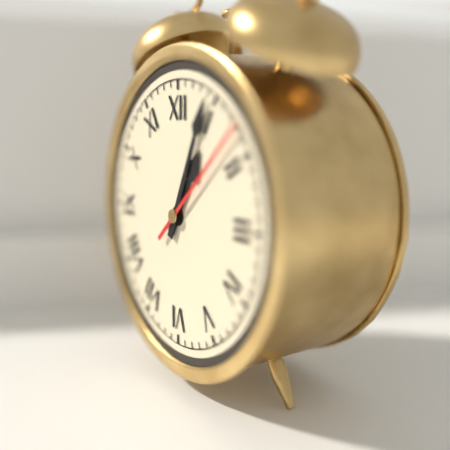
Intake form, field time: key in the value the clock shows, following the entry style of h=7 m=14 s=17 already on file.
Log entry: h=1 m=4 s=8
